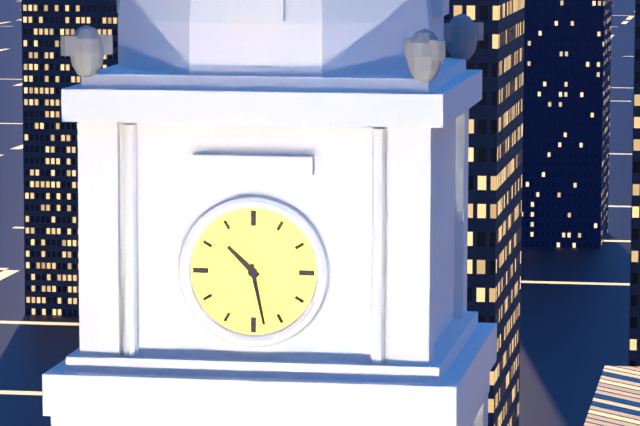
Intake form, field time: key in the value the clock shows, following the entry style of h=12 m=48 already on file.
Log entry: h=10 m=28
